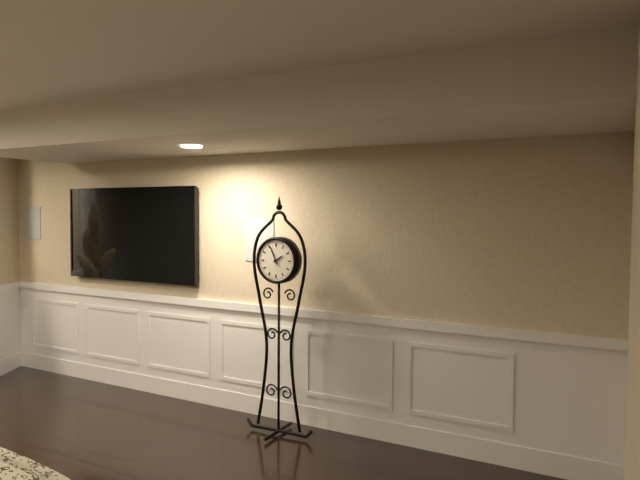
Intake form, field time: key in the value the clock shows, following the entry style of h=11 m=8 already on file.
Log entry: h=1 m=56
